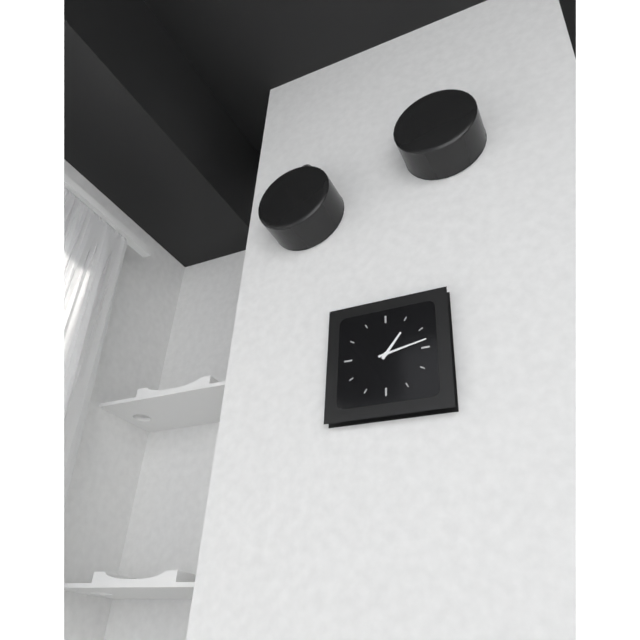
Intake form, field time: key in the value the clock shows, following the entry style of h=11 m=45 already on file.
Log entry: h=1 m=13
